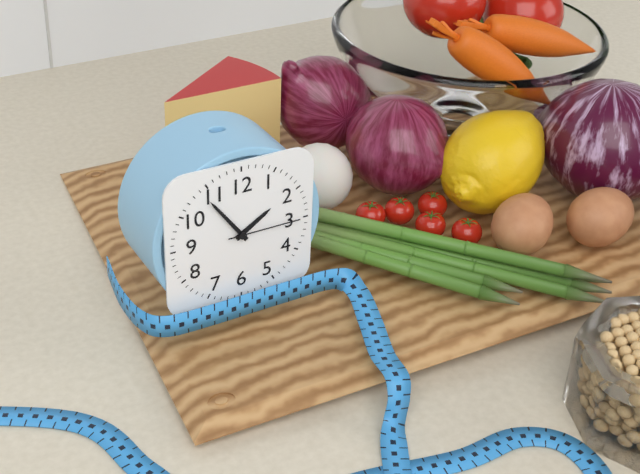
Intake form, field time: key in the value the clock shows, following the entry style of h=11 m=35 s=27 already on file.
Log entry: h=1 m=54 s=15
